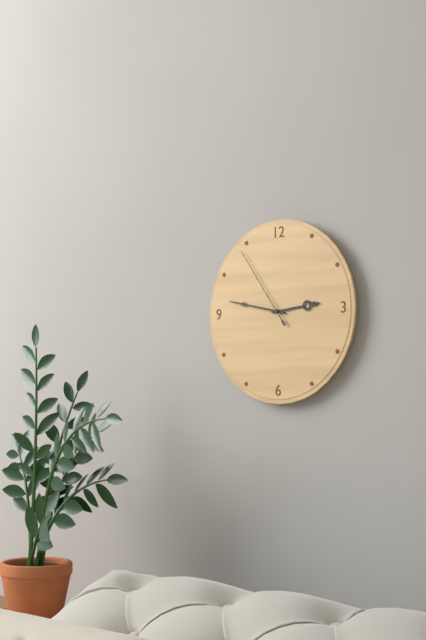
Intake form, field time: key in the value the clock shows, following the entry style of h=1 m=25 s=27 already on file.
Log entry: h=2 m=47 s=54
